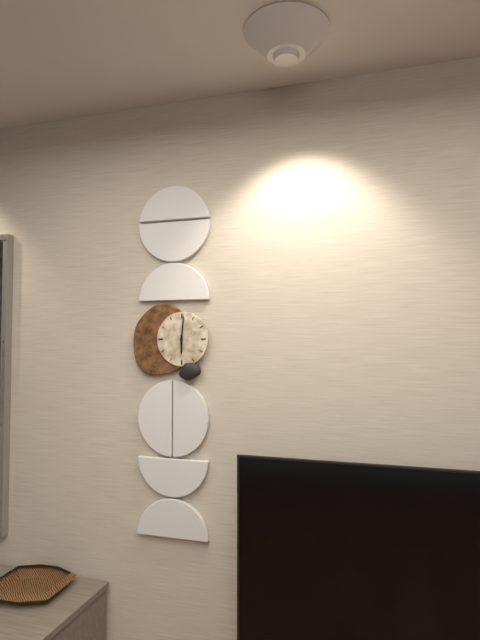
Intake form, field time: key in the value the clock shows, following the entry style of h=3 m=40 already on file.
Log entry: h=6 m=1
